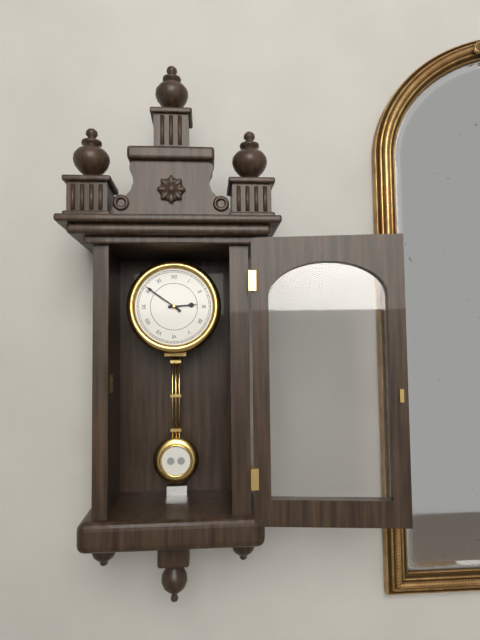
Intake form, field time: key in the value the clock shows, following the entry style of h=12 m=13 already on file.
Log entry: h=2 m=51
